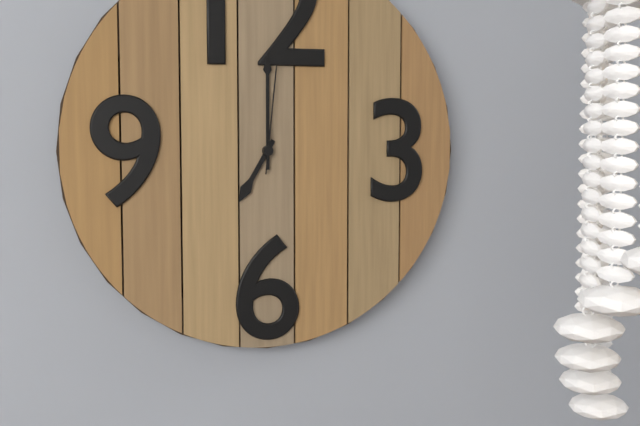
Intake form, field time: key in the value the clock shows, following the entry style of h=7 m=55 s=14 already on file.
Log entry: h=7 m=0 s=1
